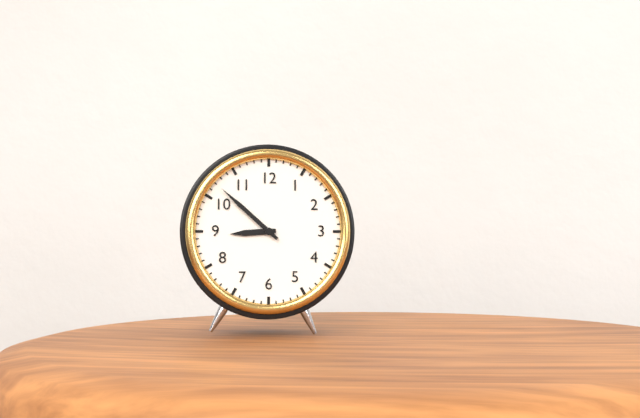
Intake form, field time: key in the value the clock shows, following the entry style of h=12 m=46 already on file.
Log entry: h=8 m=52
